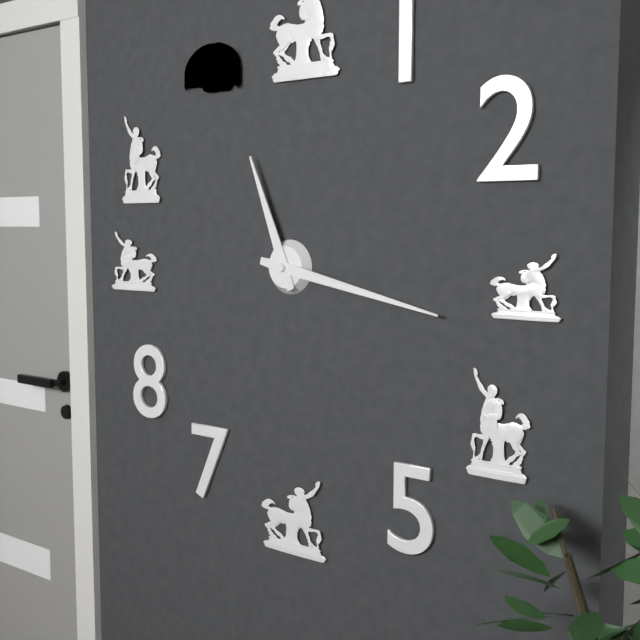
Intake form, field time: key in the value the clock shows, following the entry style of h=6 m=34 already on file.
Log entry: h=11 m=17
